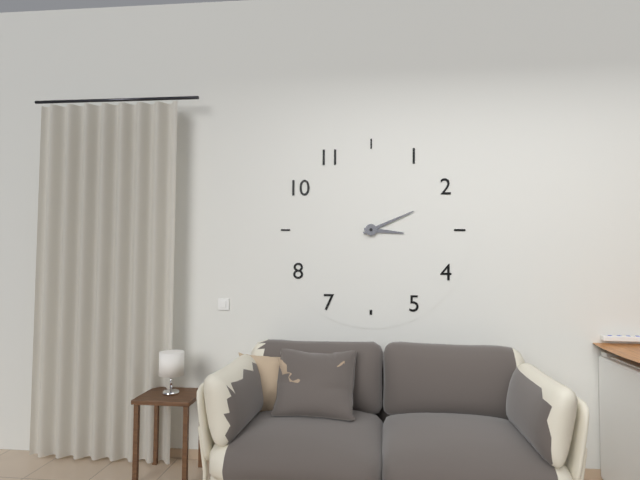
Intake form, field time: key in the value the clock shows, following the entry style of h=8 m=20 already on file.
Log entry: h=3 m=11
